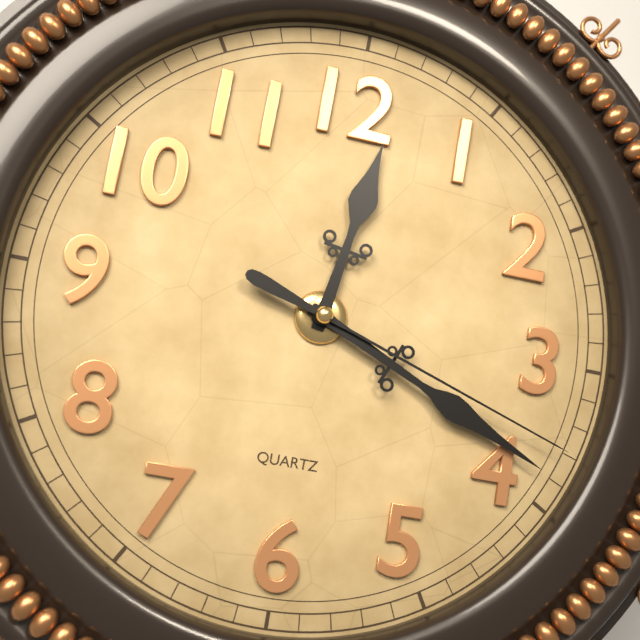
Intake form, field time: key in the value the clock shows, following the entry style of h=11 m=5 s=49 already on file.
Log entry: h=12 m=19 s=18
